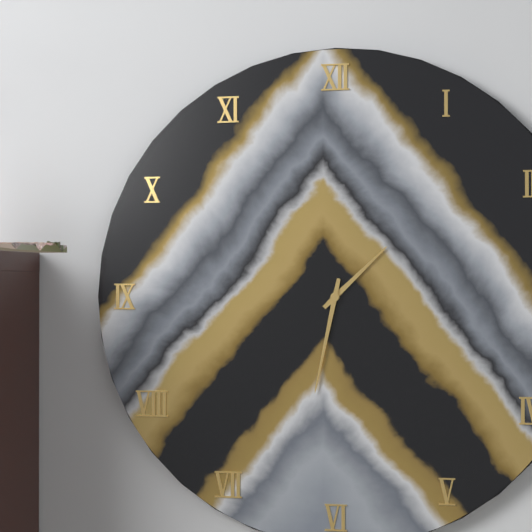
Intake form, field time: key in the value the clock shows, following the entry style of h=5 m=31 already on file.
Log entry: h=1 m=32
